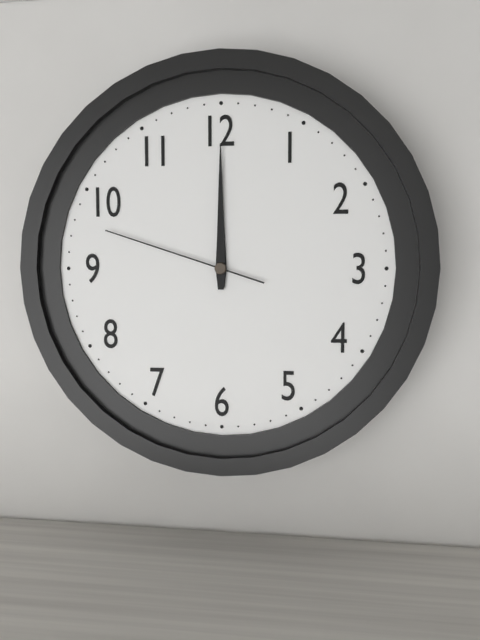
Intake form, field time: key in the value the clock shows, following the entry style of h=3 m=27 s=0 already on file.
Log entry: h=12 m=0 s=48
